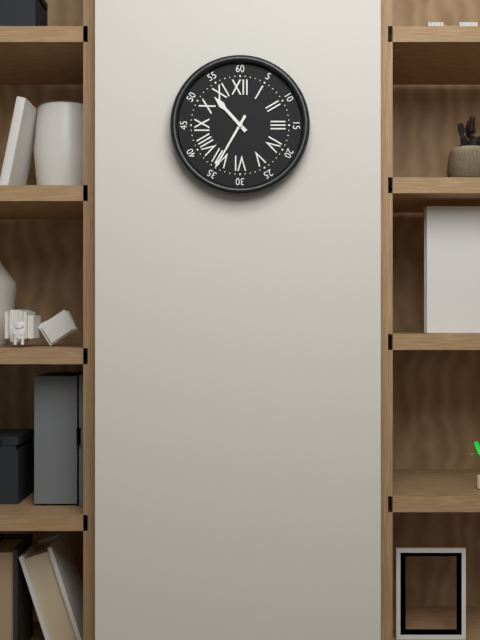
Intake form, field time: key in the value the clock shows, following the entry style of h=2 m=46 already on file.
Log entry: h=10 m=35
